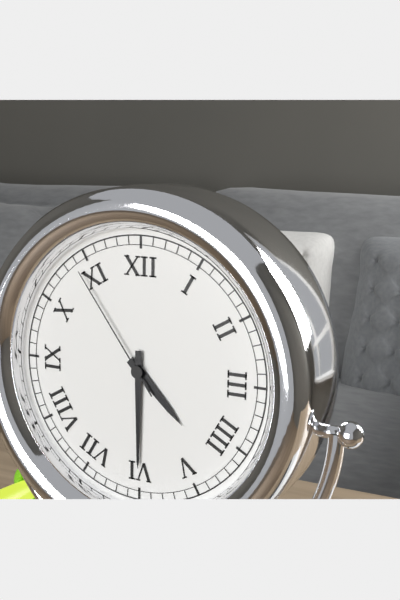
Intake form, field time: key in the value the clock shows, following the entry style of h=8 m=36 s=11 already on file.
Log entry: h=4 m=30 s=54
